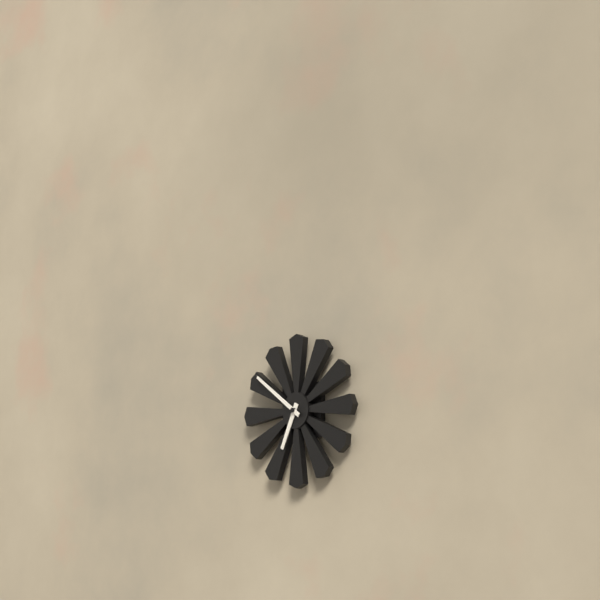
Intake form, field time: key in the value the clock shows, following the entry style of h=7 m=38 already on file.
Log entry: h=6 m=51
